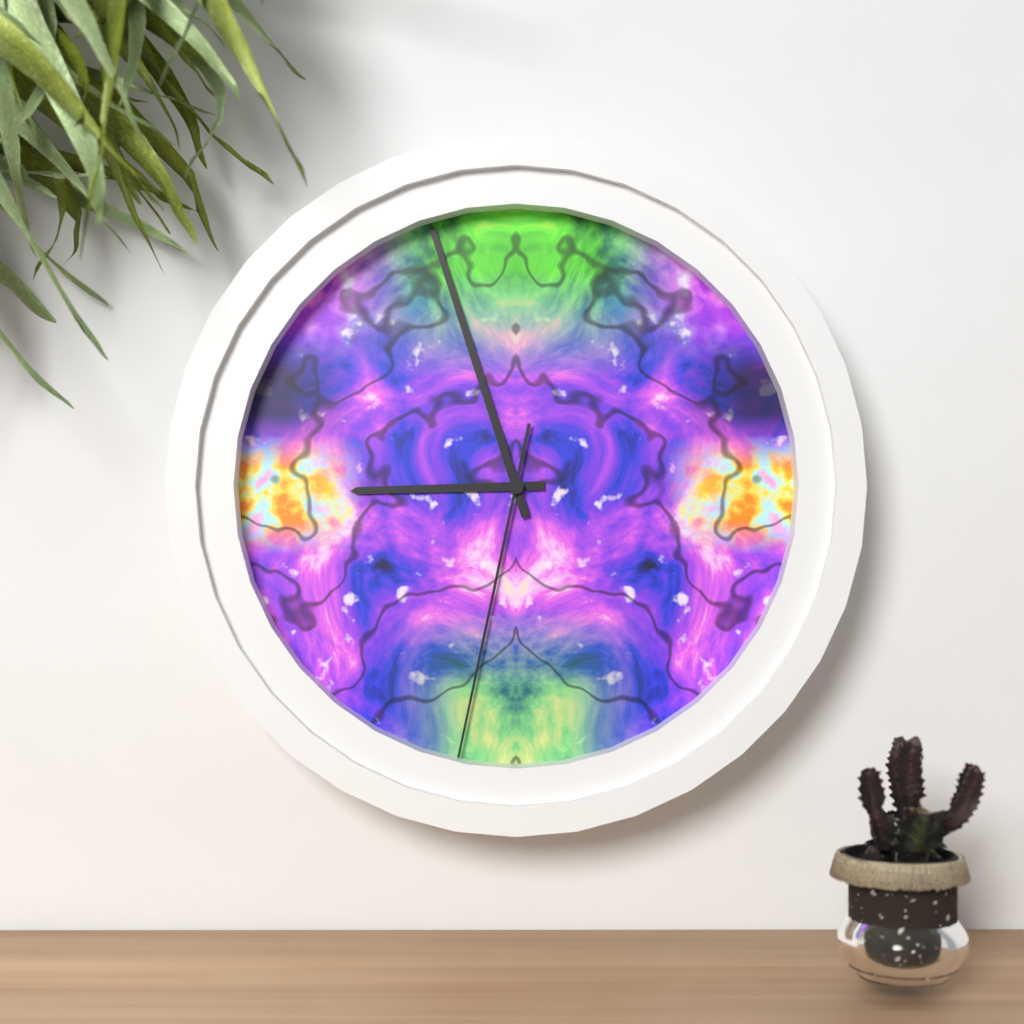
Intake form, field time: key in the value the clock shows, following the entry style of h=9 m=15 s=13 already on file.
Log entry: h=8 m=57 s=32
